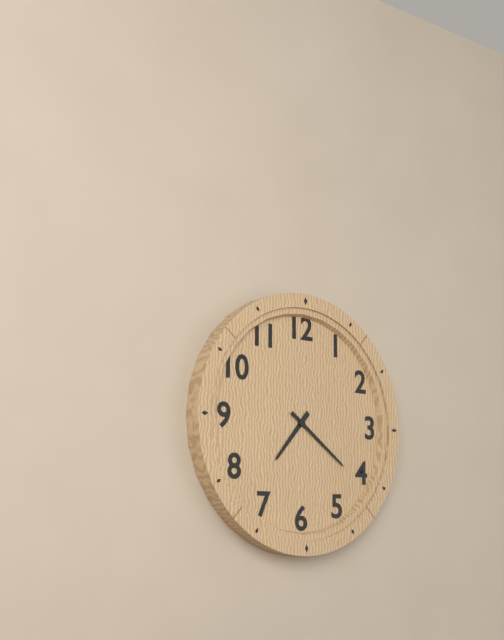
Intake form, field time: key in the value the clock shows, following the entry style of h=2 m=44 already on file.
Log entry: h=7 m=21
